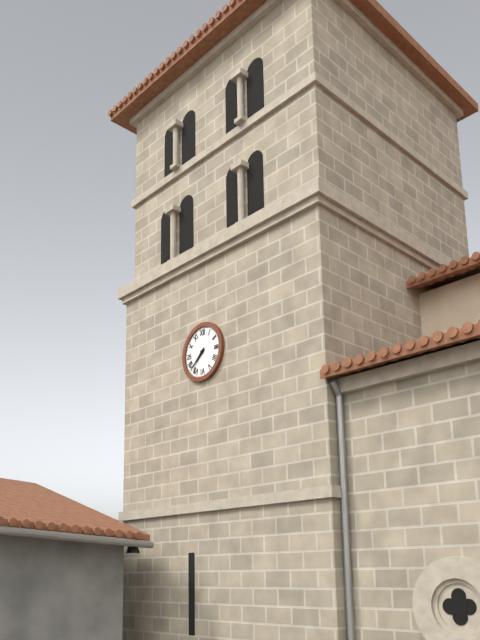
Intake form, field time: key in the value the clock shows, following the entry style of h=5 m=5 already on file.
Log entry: h=7 m=38
